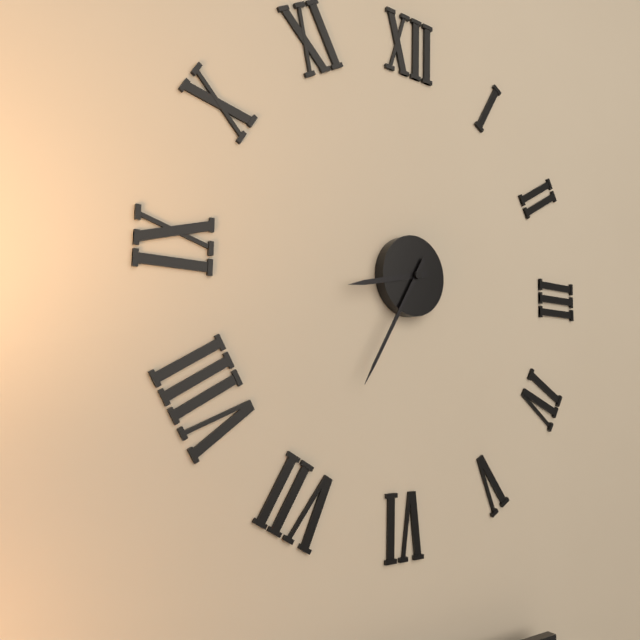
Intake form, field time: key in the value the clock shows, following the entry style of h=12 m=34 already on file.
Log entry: h=8 m=35
